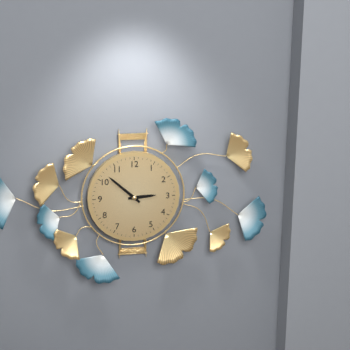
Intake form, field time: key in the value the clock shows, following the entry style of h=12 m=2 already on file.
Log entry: h=2 m=52
